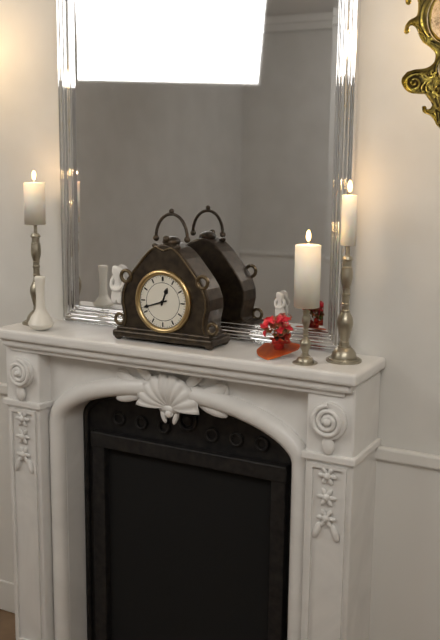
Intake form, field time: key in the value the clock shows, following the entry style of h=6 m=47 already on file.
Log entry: h=12 m=42
